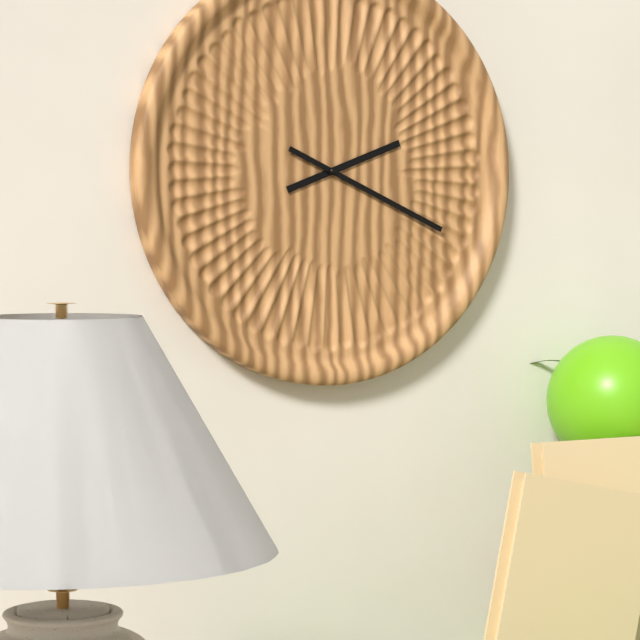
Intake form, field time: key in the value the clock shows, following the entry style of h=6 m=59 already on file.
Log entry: h=2 m=19
